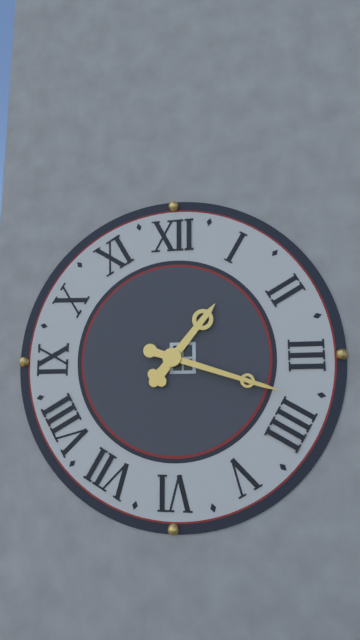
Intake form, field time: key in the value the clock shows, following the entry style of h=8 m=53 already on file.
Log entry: h=1 m=18
